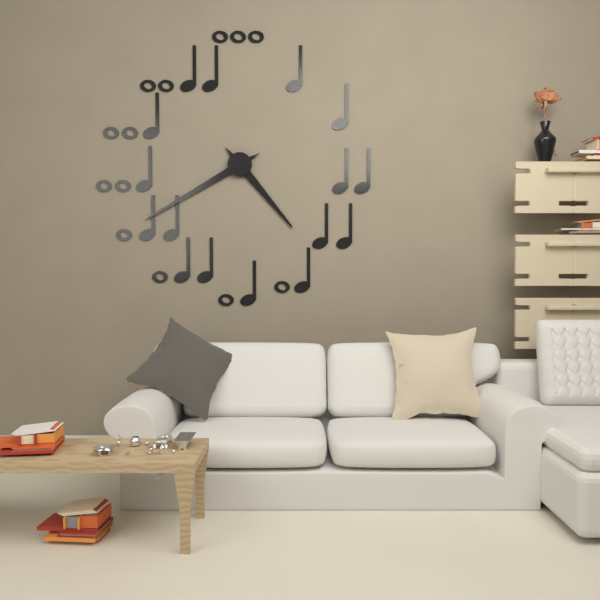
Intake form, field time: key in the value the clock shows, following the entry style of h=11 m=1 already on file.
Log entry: h=4 m=40
